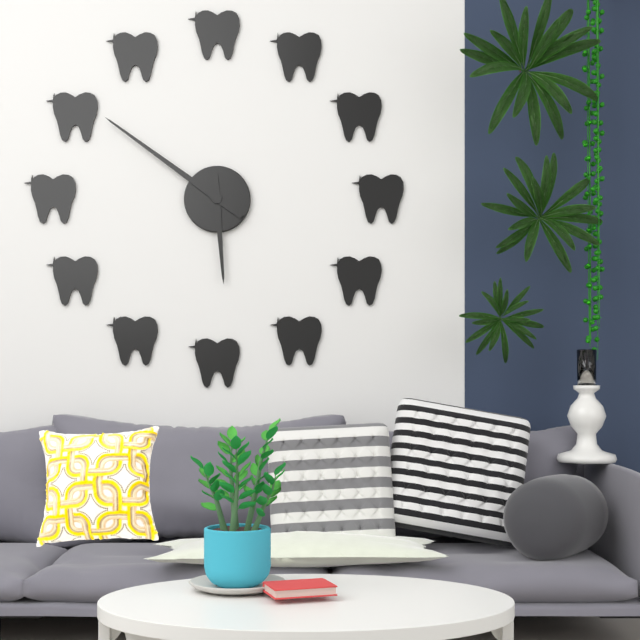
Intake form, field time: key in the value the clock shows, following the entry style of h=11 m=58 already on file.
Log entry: h=5 m=51
